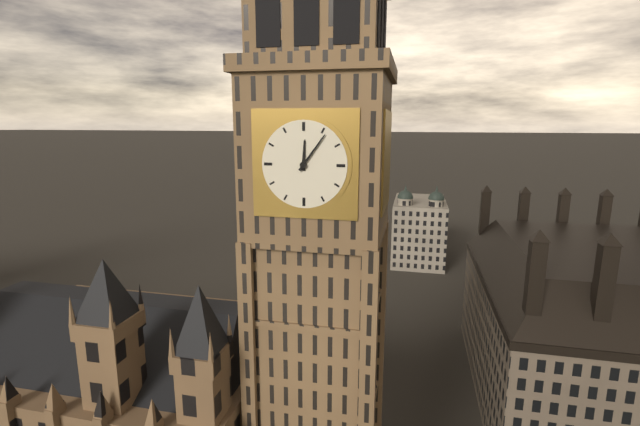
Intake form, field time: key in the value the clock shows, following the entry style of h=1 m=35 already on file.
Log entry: h=12 m=6
